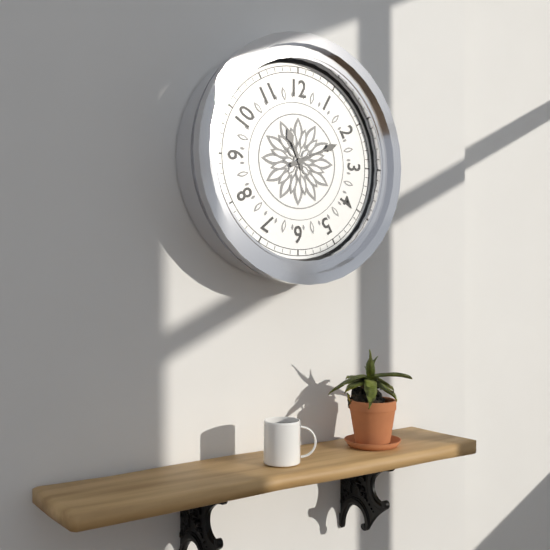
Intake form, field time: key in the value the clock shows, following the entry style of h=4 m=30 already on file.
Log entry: h=11 m=11
